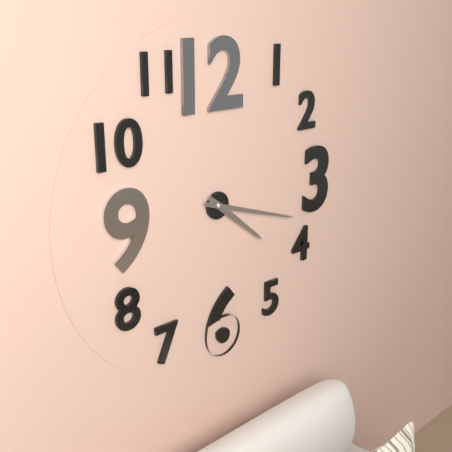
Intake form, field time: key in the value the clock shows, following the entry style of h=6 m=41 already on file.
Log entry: h=4 m=18
